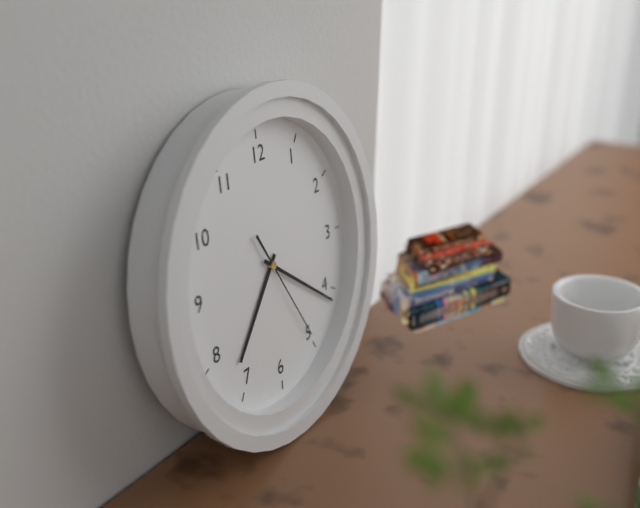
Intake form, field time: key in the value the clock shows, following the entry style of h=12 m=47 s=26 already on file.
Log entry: h=7 m=21 s=25
